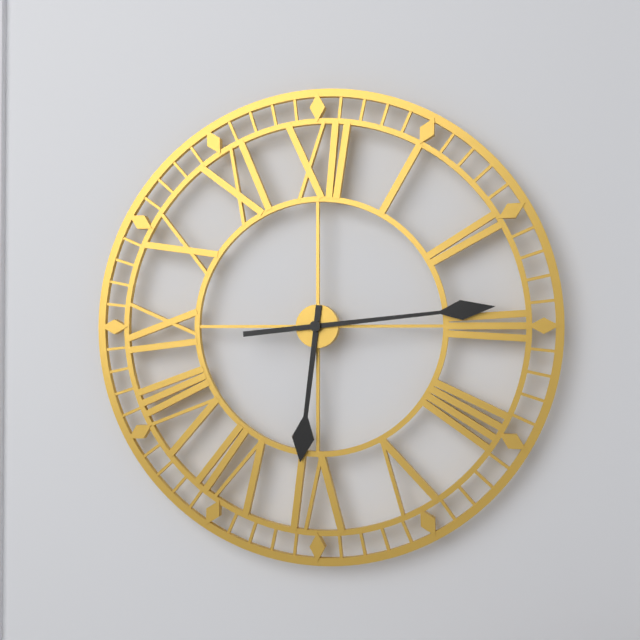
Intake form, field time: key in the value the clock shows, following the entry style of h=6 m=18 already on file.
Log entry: h=6 m=14
